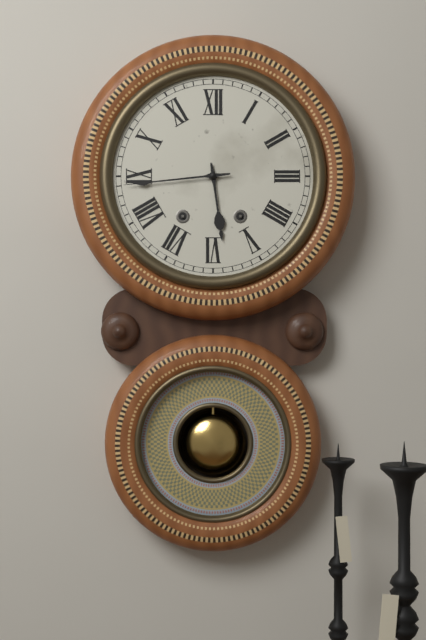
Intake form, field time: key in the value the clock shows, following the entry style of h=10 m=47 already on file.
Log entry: h=5 m=44
